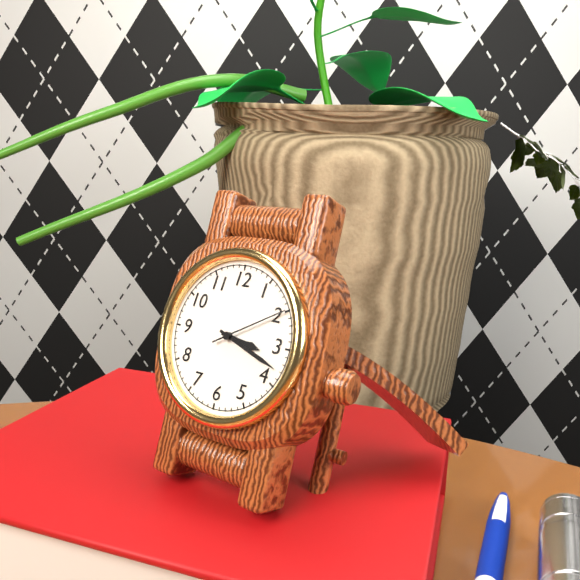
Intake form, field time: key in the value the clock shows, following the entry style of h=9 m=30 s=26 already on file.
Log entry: h=3 m=18 s=10
